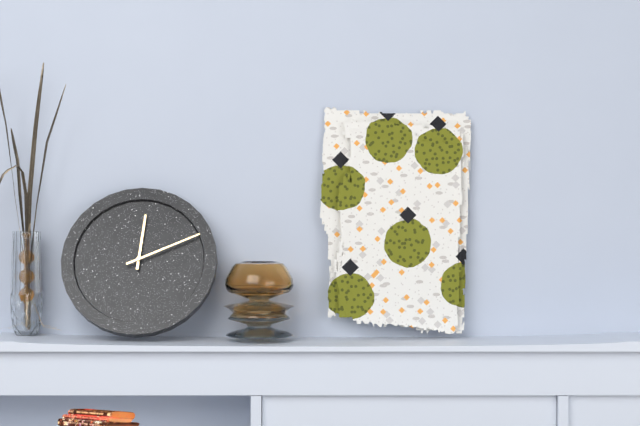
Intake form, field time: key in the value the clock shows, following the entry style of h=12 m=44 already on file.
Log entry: h=12 m=11
